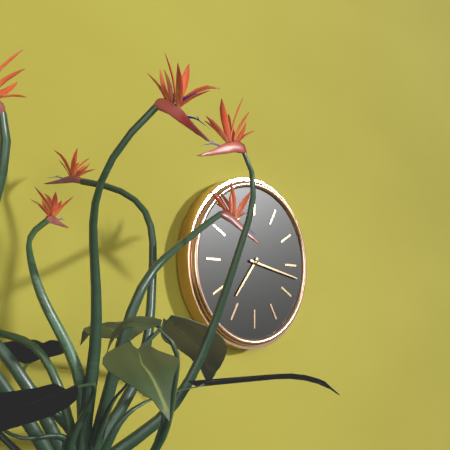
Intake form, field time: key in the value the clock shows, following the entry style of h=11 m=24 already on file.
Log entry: h=7 m=17
